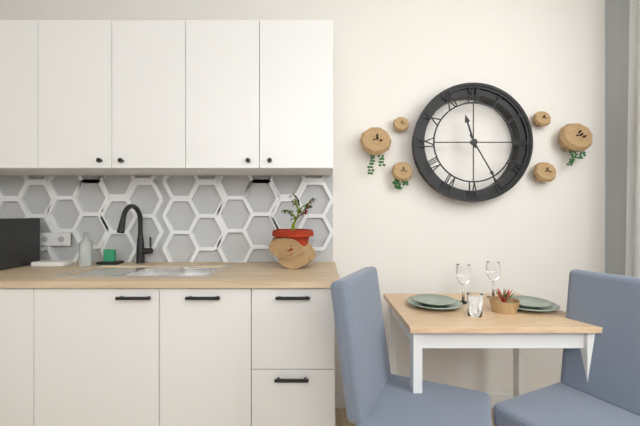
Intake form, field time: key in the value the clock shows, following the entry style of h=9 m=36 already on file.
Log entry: h=11 m=25
